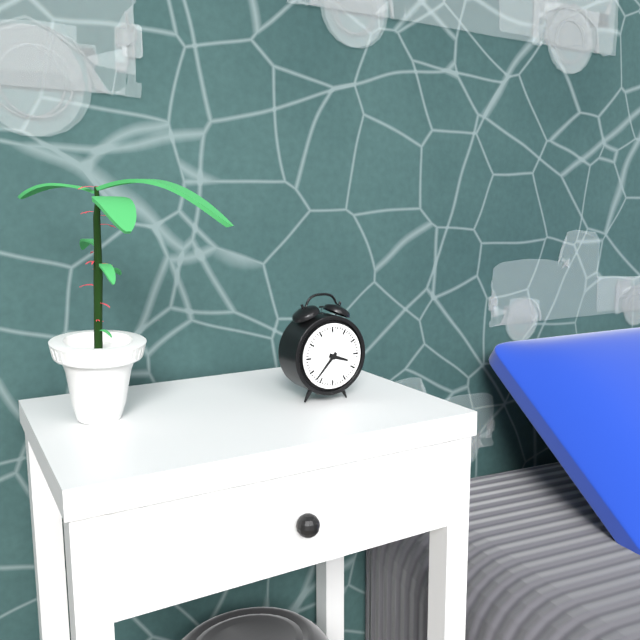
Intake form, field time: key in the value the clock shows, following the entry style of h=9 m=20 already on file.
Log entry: h=3 m=37
